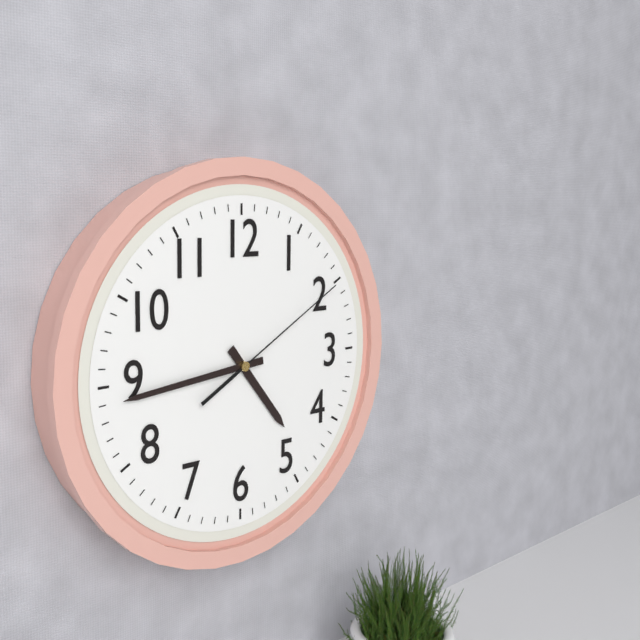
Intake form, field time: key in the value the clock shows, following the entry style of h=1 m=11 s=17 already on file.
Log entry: h=4 m=44 s=10
